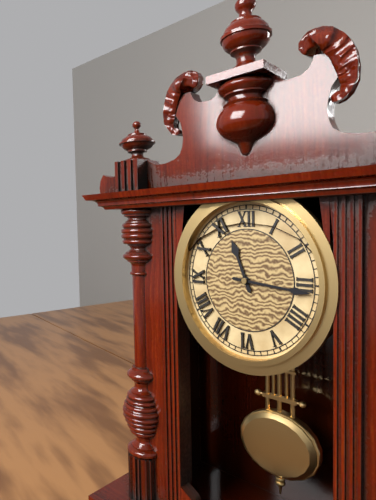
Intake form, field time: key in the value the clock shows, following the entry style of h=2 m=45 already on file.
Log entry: h=11 m=16
